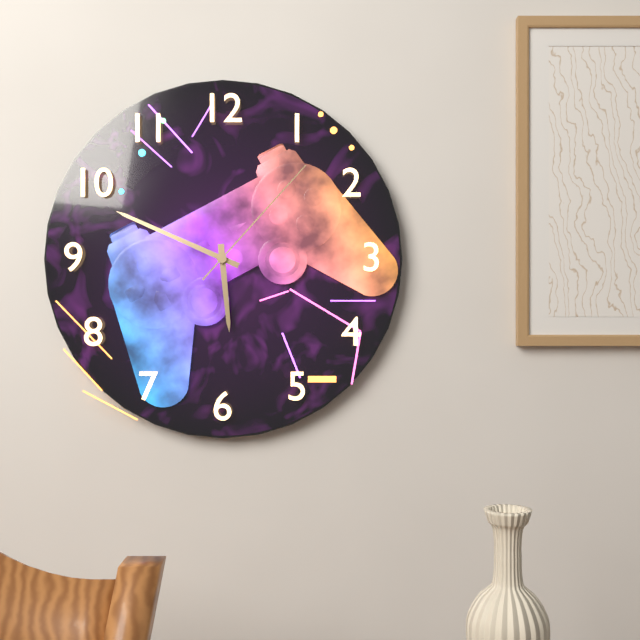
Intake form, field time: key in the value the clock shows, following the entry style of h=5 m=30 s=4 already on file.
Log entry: h=5 m=49 s=7
